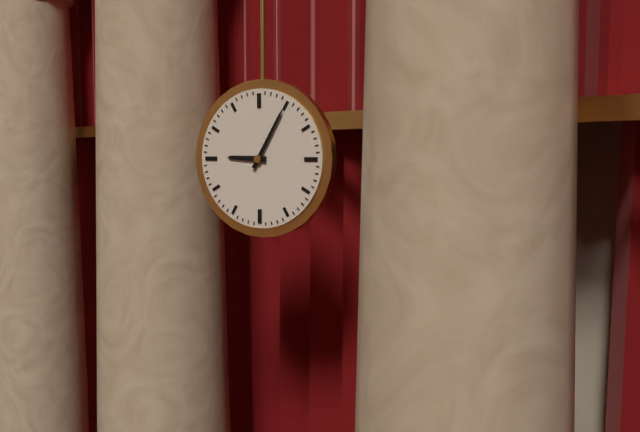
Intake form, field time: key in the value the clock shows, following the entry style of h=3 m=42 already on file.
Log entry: h=9 m=5
